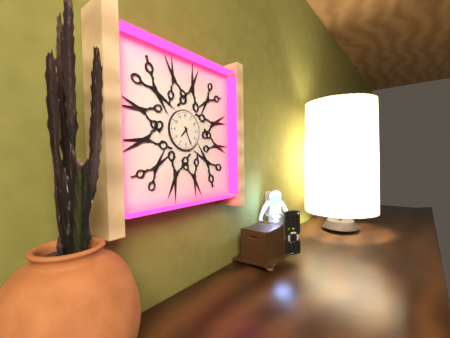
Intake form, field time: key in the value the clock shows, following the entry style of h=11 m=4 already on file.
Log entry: h=7 m=26
